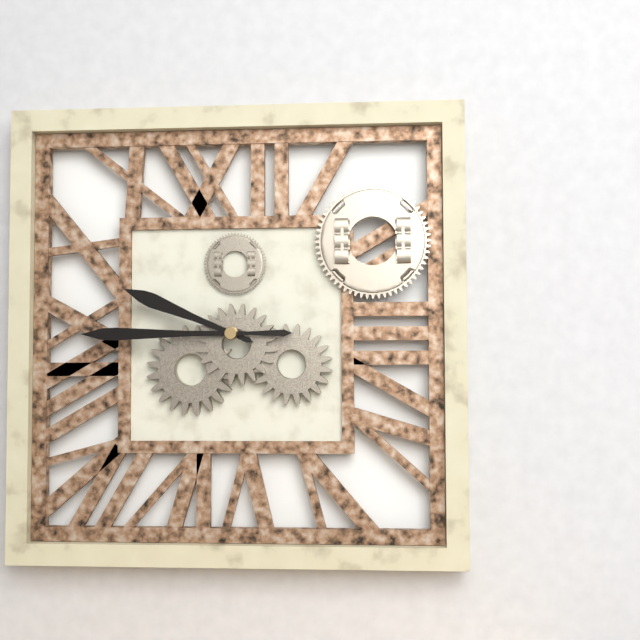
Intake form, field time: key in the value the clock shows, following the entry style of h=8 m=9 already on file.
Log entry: h=9 m=45
